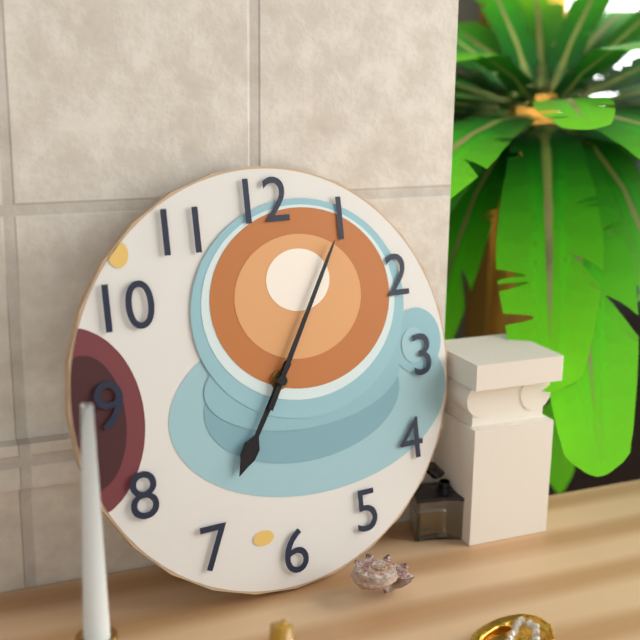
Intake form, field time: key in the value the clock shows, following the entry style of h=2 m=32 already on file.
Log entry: h=7 m=5
